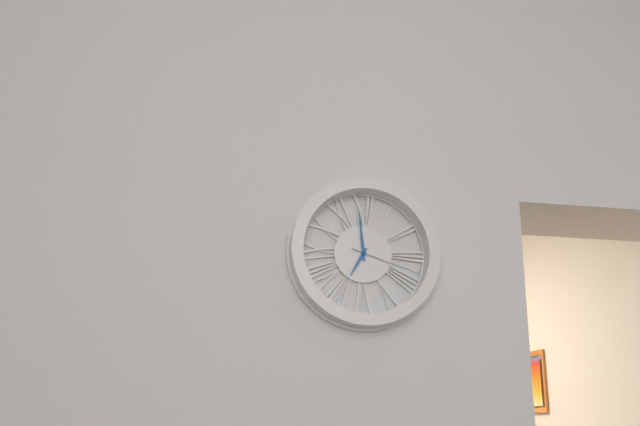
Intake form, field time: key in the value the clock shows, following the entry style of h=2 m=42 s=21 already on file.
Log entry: h=6 m=59 s=18
